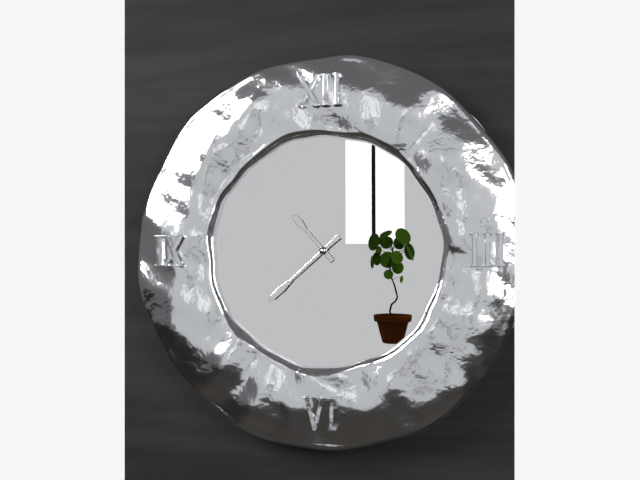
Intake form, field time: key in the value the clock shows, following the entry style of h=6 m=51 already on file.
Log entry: h=10 m=38
